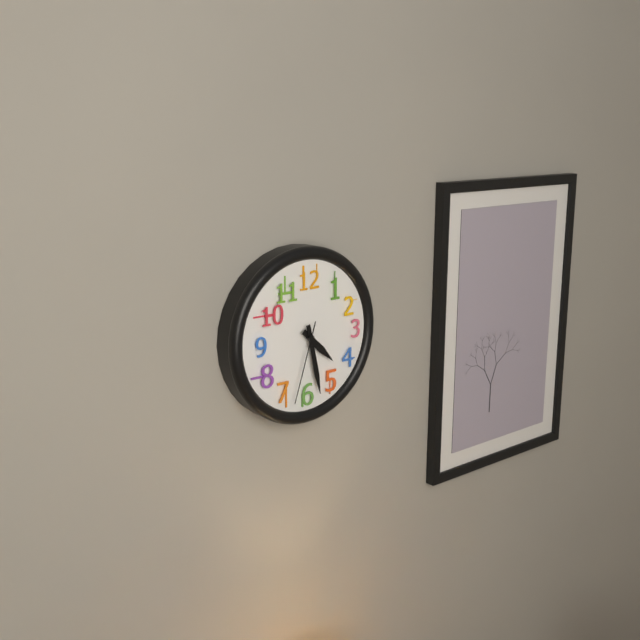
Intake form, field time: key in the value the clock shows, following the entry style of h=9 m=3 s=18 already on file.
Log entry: h=4 m=28 s=33
